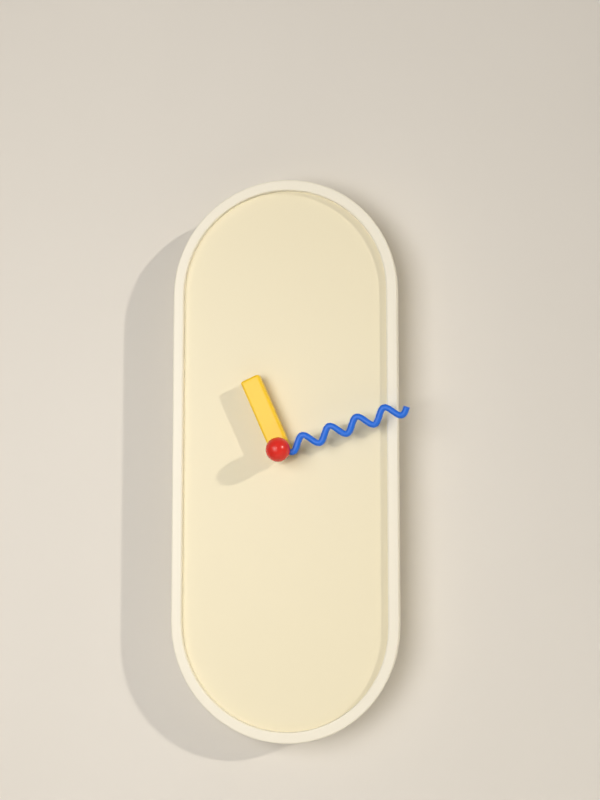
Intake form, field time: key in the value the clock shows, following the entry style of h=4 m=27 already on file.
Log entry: h=11 m=12
